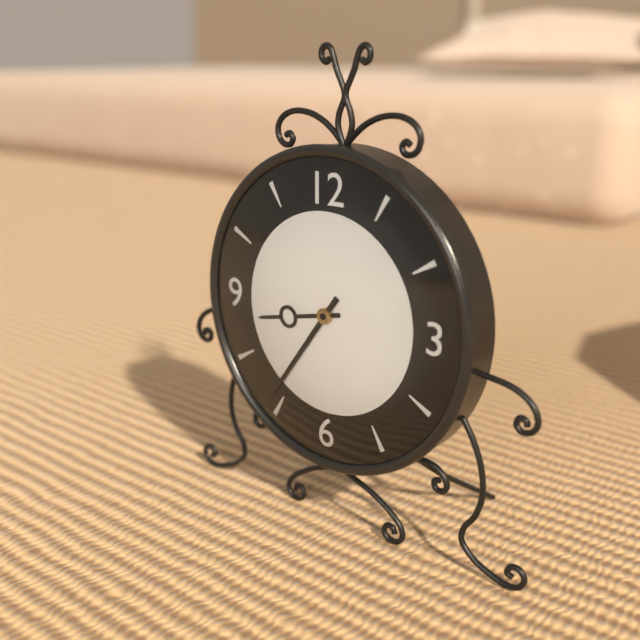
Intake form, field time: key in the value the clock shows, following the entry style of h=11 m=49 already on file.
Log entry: h=8 m=36
